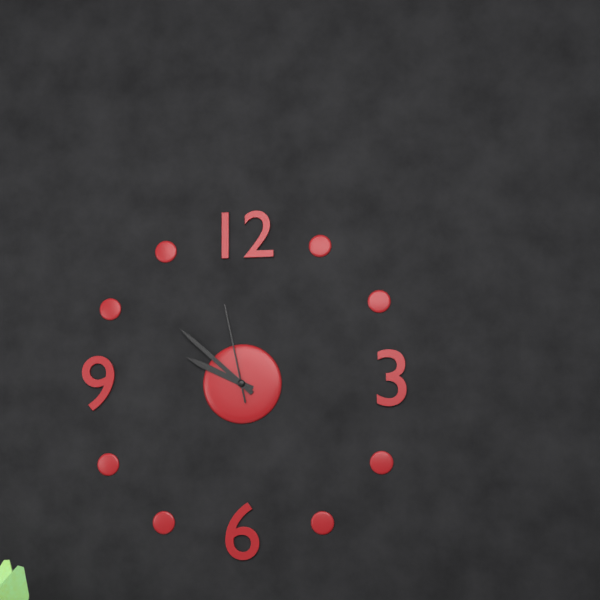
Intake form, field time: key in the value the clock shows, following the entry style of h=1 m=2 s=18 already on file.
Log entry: h=9 m=52 s=58
